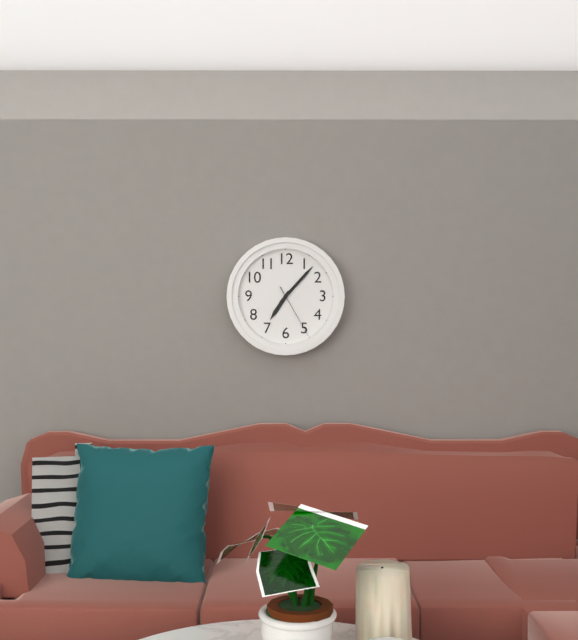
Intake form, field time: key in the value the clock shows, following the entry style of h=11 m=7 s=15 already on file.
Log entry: h=7 m=7 s=25
